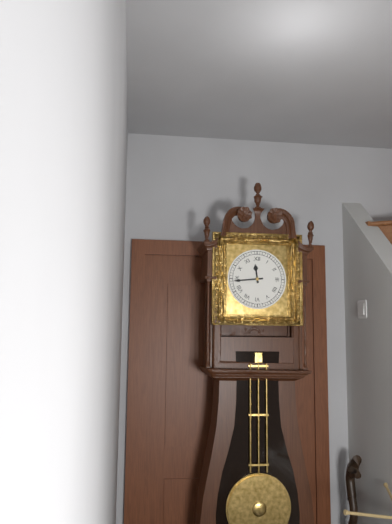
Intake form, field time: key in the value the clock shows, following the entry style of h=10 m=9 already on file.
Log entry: h=11 m=44
